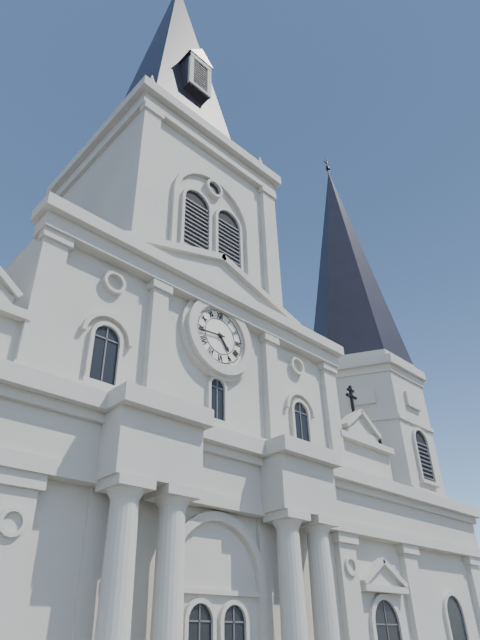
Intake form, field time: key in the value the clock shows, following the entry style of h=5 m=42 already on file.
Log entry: h=4 m=44
